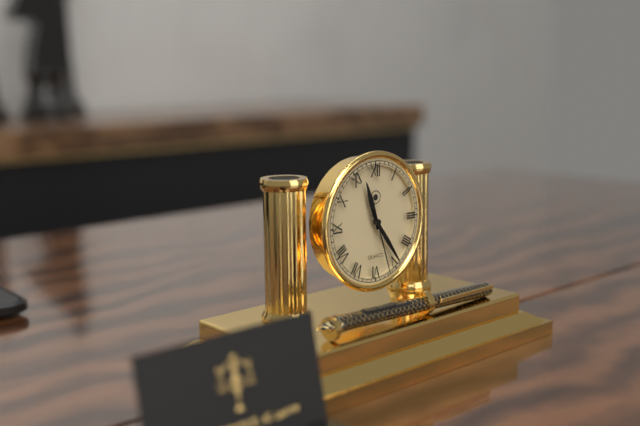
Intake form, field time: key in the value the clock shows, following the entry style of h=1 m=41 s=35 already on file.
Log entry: h=11 m=24 s=27
